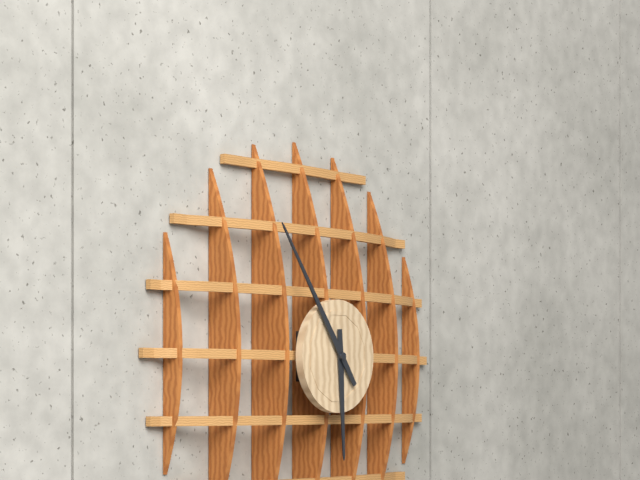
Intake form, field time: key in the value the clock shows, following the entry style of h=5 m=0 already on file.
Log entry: h=5 m=54
